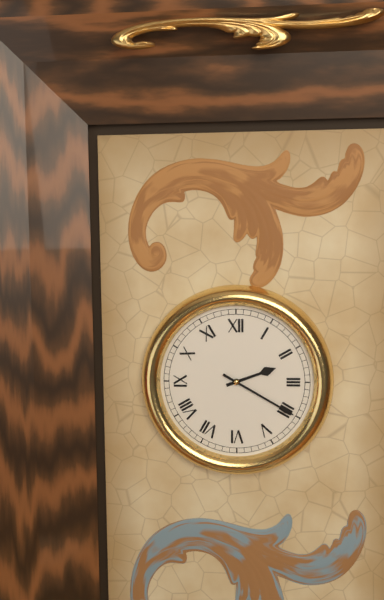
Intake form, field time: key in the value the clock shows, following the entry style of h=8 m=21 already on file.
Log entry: h=2 m=20
